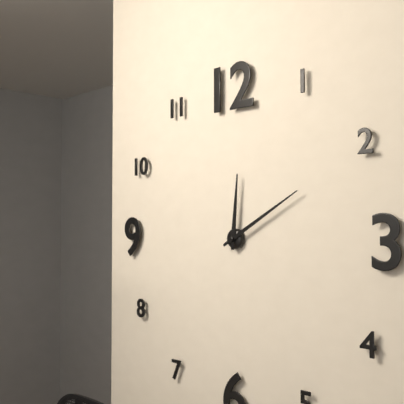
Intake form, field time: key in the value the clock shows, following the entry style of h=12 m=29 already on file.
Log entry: h=12 m=10
